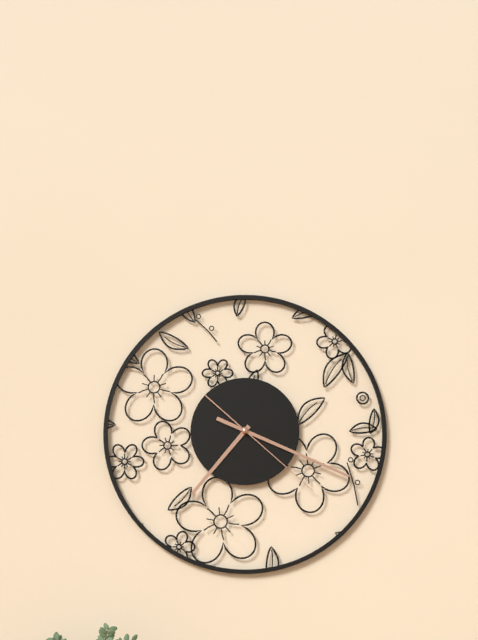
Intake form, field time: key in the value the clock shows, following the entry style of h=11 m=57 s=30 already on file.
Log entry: h=7 m=19 s=22
